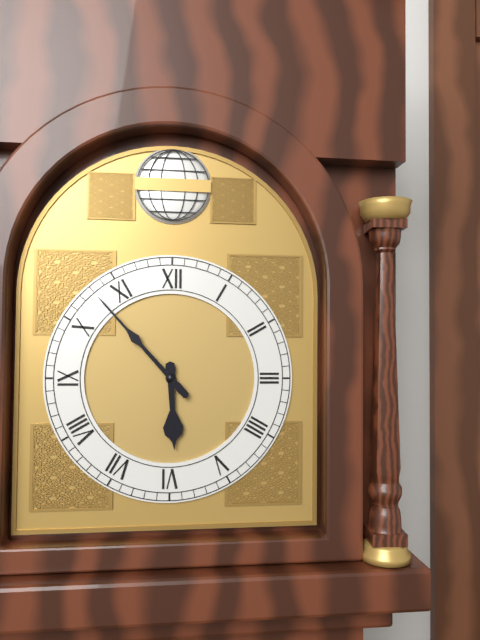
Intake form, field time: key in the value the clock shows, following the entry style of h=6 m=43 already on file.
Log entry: h=5 m=53
